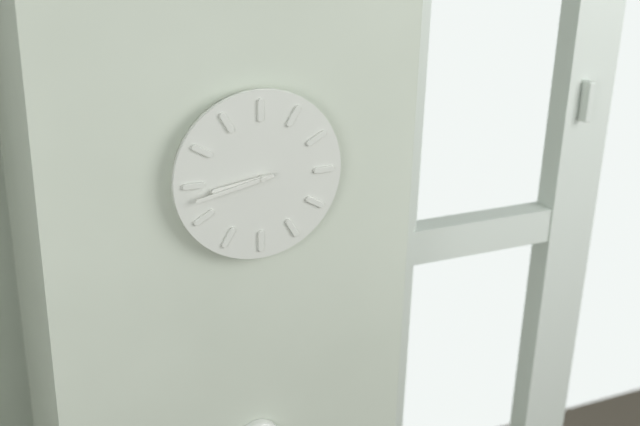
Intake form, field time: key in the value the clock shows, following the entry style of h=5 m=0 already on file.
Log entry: h=8 m=43
